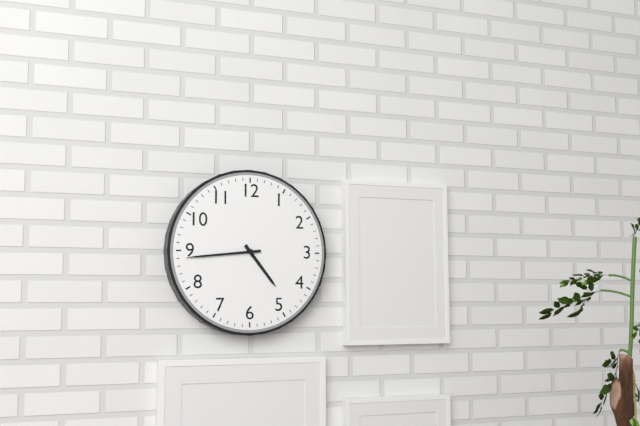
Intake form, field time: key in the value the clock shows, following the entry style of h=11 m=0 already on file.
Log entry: h=4 m=44
